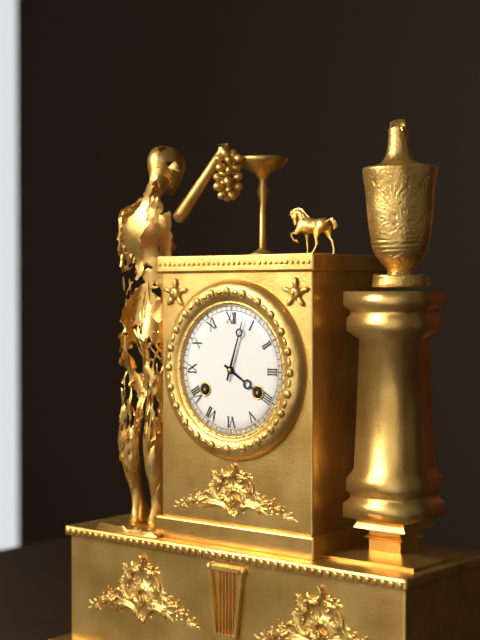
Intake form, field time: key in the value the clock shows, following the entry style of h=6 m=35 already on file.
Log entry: h=4 m=3
